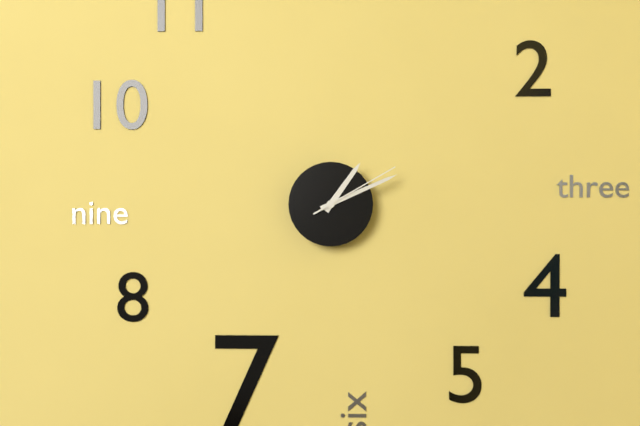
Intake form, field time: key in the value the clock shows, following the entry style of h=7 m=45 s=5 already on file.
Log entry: h=1 m=11 s=10
